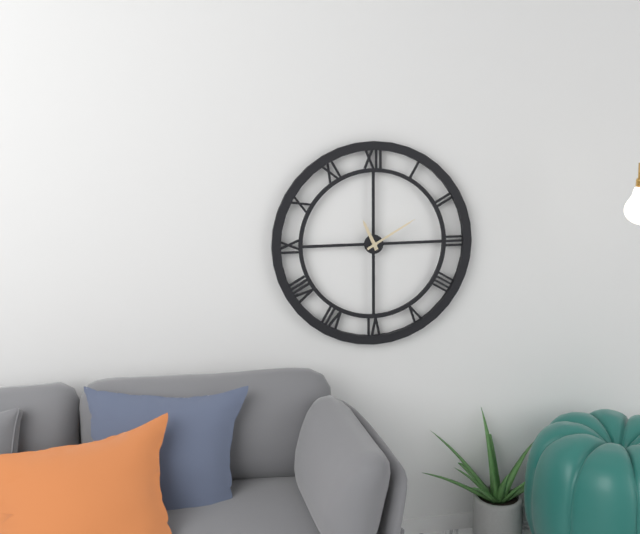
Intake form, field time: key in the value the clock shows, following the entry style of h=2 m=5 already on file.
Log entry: h=11 m=10
